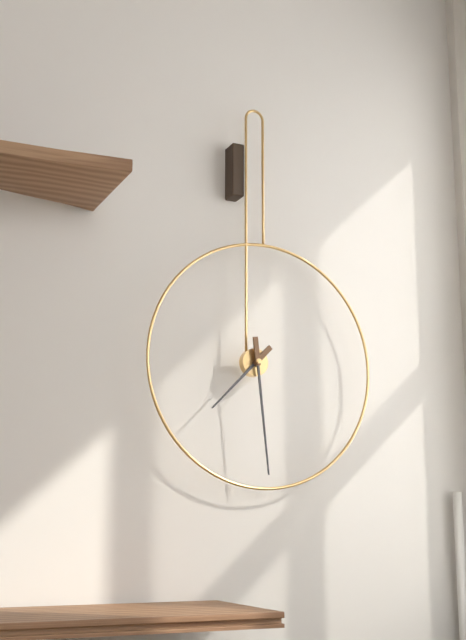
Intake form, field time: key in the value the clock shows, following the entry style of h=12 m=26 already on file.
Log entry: h=7 m=29
